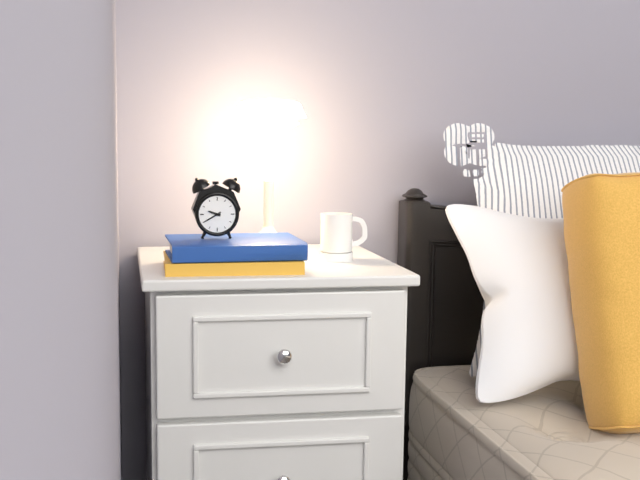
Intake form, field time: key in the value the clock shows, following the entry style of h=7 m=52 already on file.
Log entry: h=9 m=40
